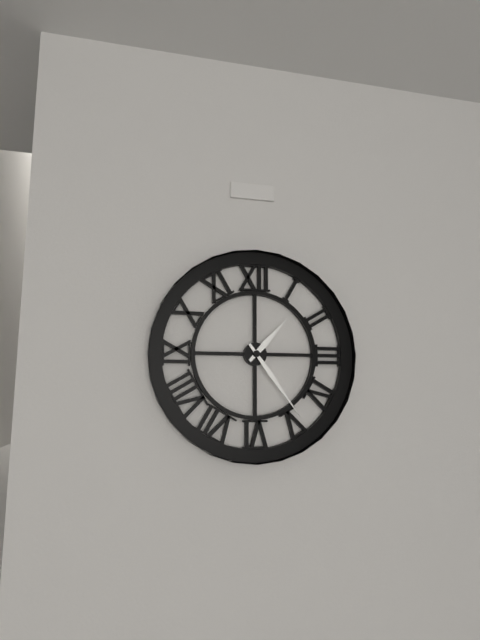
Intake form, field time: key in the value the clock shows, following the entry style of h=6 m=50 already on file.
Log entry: h=1 m=24
